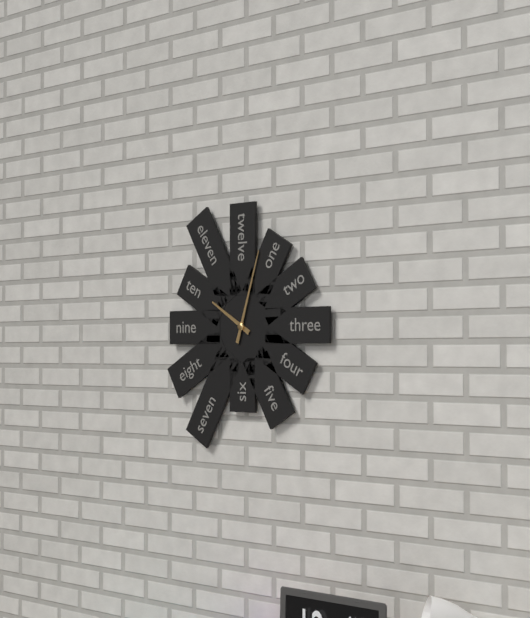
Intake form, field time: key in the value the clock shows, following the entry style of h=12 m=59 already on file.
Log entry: h=10 m=3
